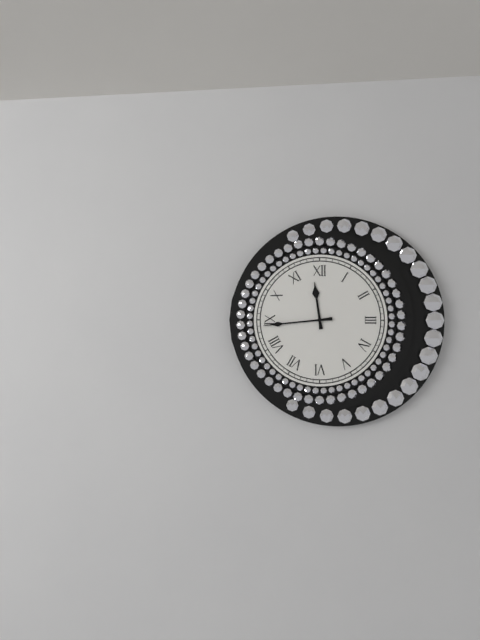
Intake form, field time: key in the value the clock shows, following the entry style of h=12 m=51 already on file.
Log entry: h=11 m=44
